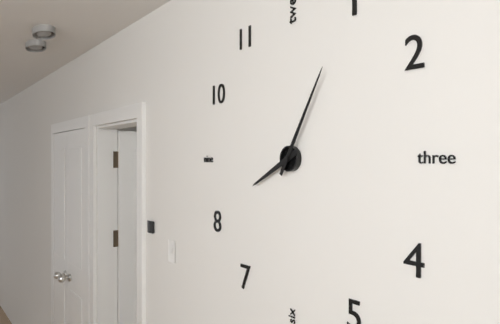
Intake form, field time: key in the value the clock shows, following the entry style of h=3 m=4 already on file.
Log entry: h=8 m=5
